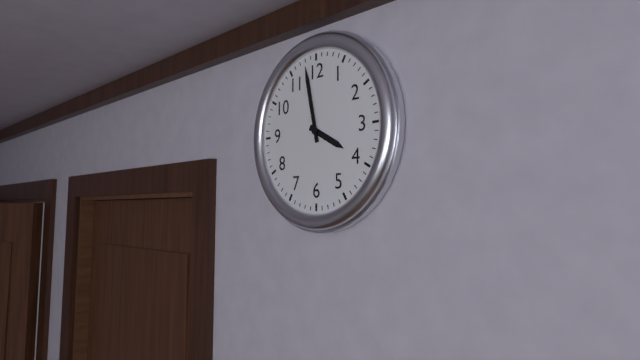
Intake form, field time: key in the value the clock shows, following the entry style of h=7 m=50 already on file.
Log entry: h=3 m=58
